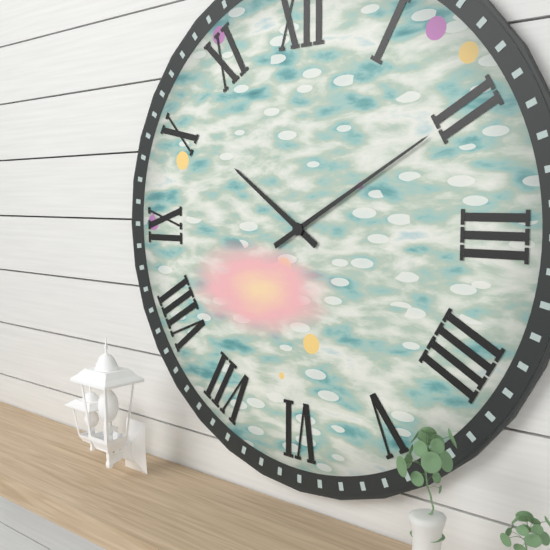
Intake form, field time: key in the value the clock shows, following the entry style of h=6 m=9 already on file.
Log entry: h=10 m=10
